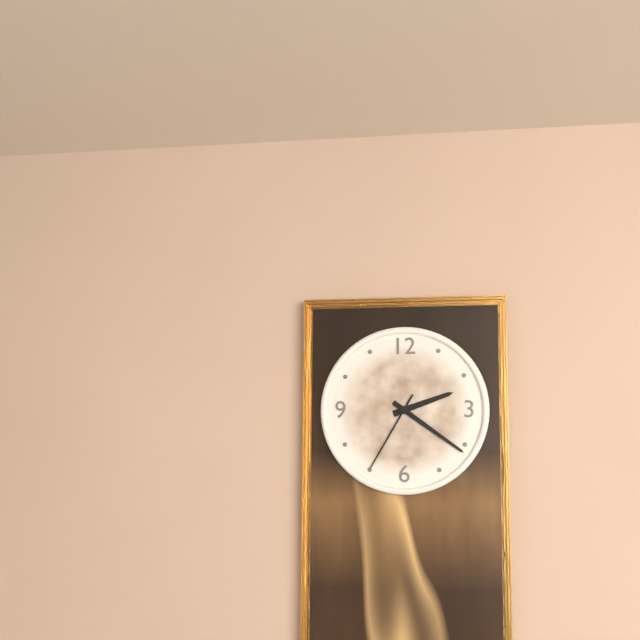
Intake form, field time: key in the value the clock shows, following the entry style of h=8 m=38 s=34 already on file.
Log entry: h=2 m=21 s=35
